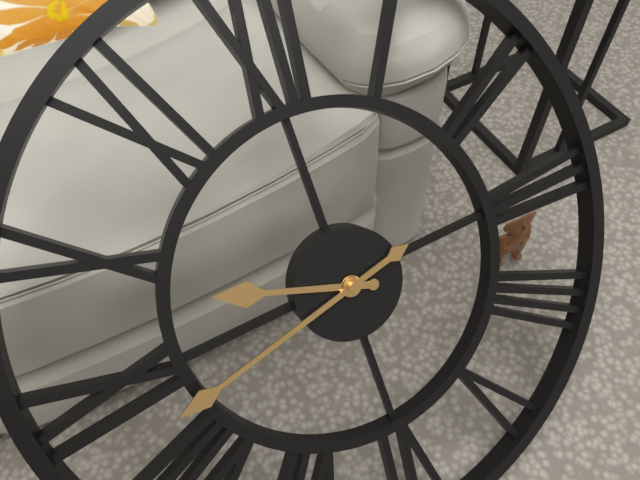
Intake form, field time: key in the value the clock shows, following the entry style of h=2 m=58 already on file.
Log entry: h=9 m=43
